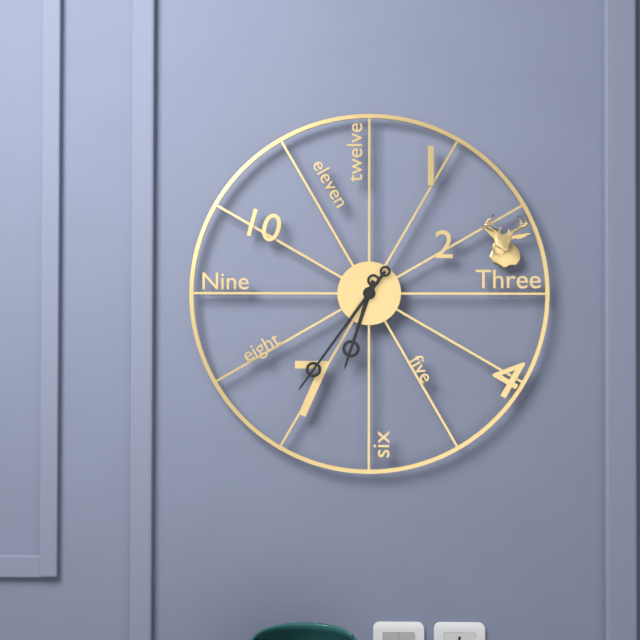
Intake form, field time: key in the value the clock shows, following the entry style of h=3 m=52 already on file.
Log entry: h=6 m=36
